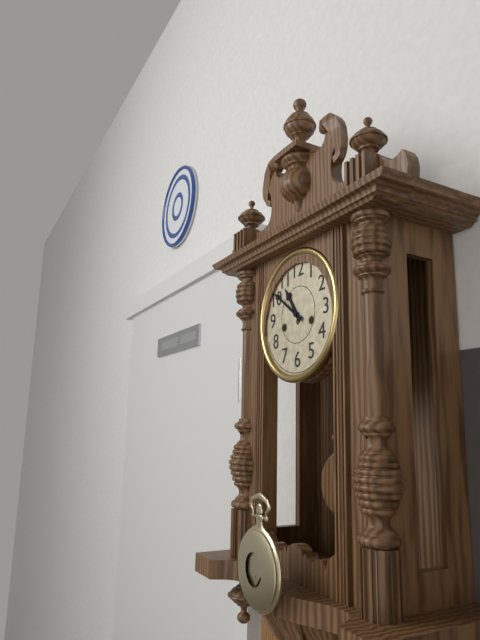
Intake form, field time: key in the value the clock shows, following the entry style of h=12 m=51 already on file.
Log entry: h=10 m=51
